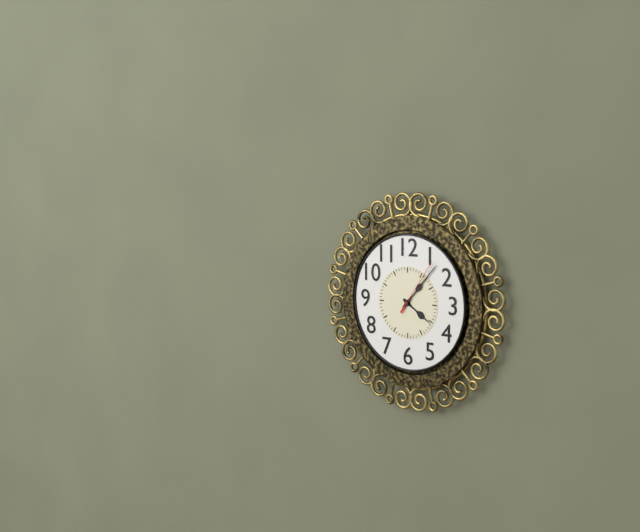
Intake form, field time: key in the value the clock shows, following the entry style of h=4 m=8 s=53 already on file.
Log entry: h=4 m=7 s=6
